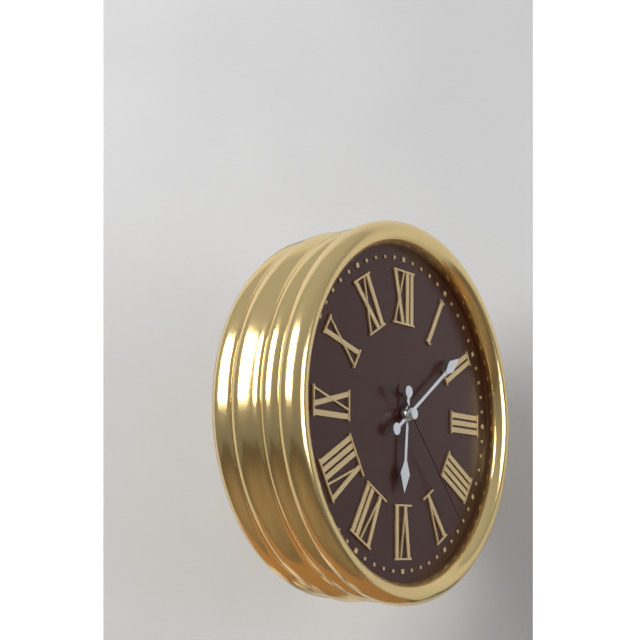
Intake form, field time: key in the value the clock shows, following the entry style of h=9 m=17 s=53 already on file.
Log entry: h=6 m=9 s=23
